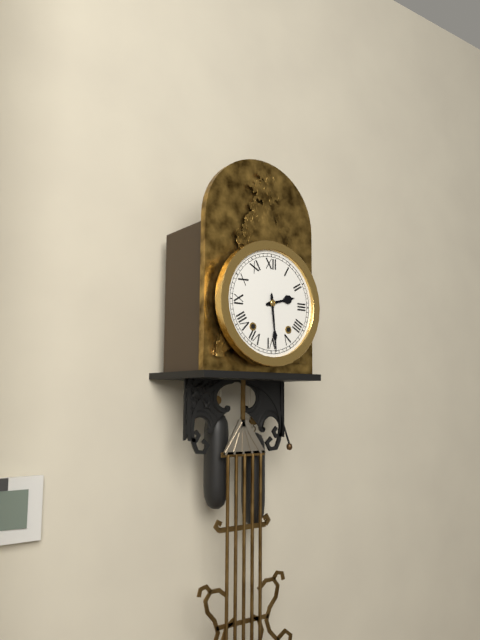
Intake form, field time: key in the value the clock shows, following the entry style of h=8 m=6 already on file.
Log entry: h=2 m=29
